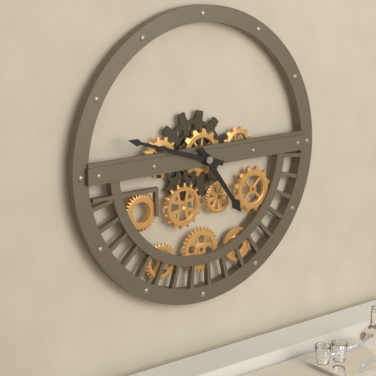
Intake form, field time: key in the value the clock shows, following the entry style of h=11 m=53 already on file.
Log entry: h=4 m=48
